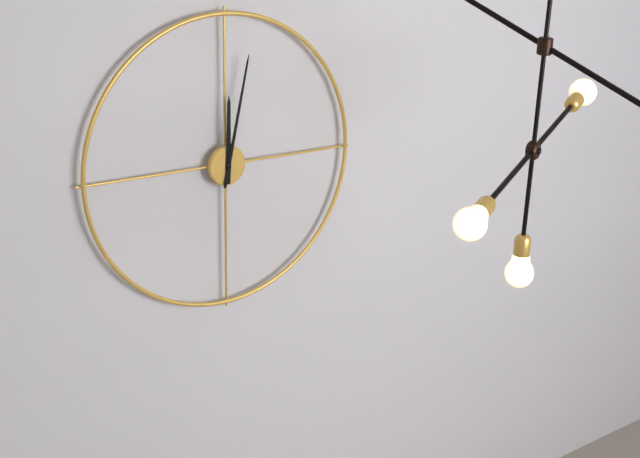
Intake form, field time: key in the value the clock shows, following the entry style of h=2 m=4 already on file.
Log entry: h=12 m=2
